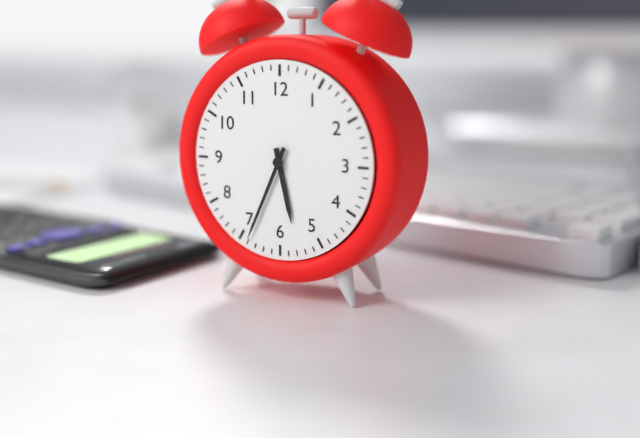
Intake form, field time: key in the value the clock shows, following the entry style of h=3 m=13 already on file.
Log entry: h=5 m=34
